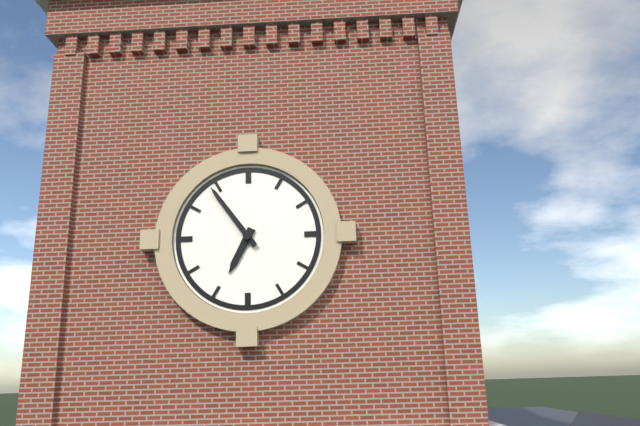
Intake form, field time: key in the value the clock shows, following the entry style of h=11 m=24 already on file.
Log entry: h=6 m=54
